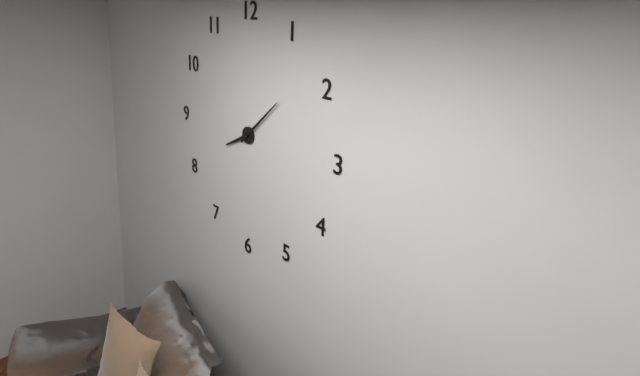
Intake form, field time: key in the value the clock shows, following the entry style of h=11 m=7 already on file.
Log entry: h=8 m=8
